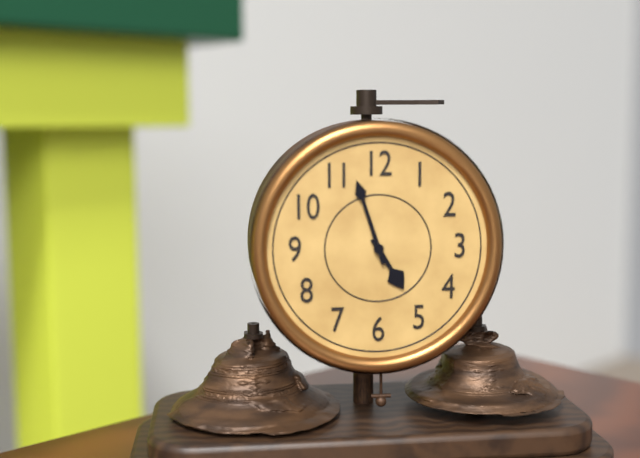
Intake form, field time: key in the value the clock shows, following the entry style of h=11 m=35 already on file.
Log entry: h=4 m=57
